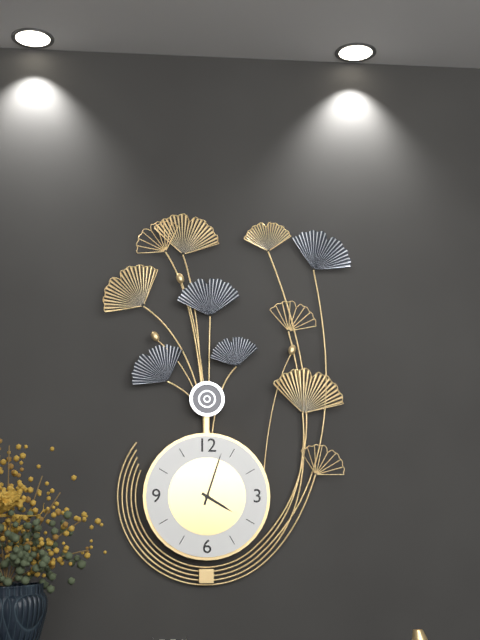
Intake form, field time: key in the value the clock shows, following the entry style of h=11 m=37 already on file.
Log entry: h=4 m=3
